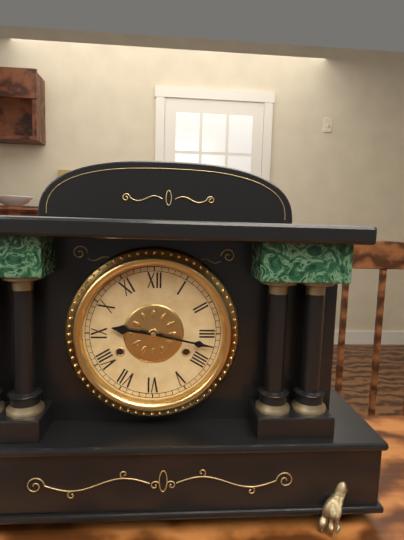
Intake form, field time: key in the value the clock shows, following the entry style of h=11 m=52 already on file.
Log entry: h=9 m=17
